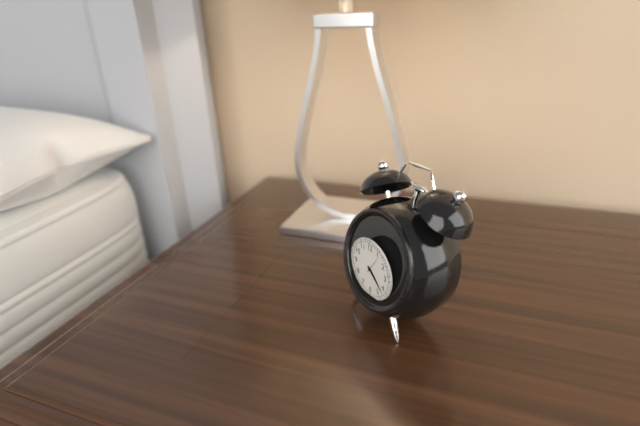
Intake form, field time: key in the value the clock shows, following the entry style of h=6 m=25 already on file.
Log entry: h=4 m=22
